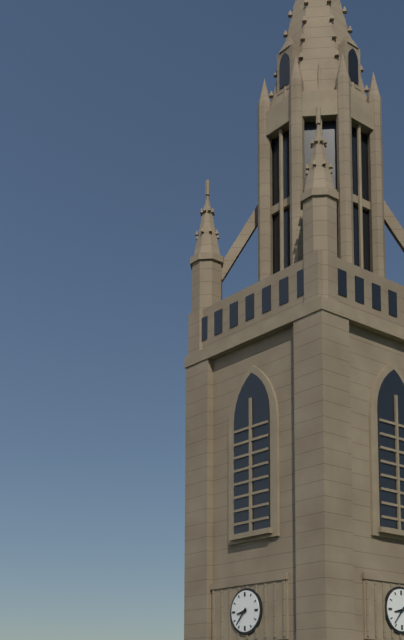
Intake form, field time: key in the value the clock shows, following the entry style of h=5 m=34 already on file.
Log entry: h=8 m=37
